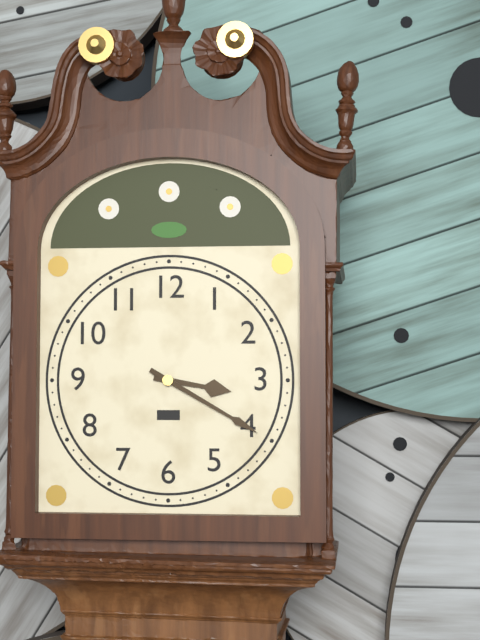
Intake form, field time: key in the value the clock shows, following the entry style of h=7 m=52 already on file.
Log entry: h=3 m=20
